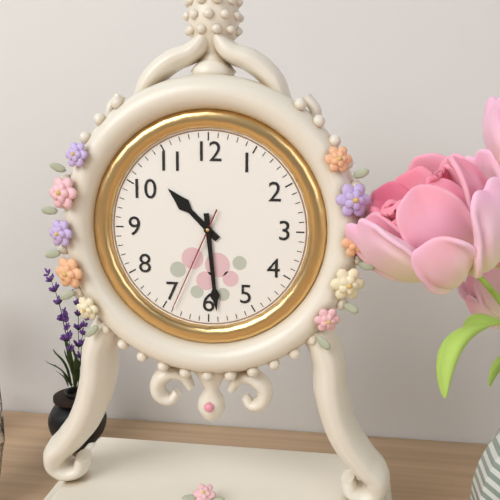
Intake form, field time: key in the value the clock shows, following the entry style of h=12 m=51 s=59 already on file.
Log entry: h=10 m=29 s=34
